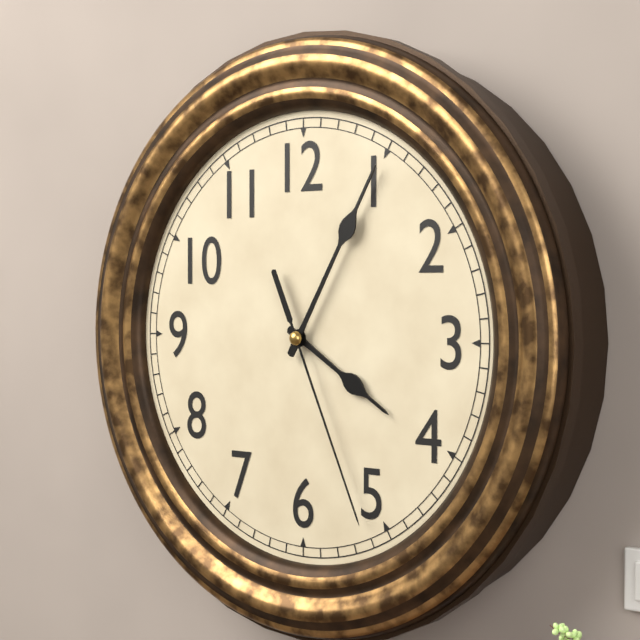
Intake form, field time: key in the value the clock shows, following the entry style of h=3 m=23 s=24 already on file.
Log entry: h=4 m=5 s=26
